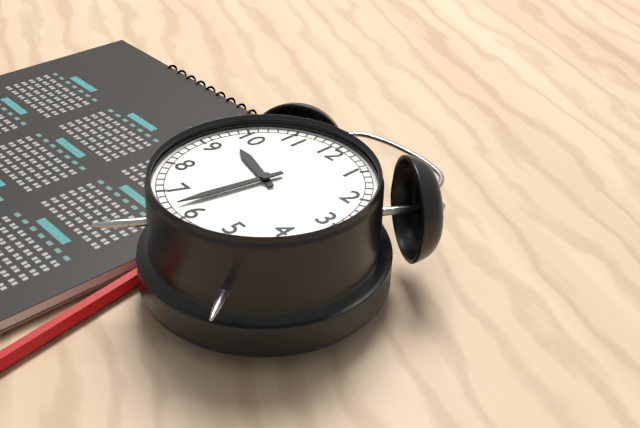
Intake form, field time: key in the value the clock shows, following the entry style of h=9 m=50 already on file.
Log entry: h=9 m=32
